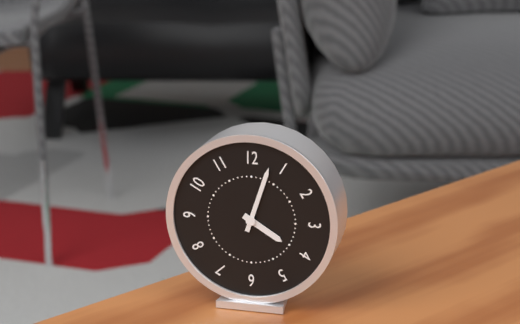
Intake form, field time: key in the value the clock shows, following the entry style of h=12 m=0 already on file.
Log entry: h=4 m=3
